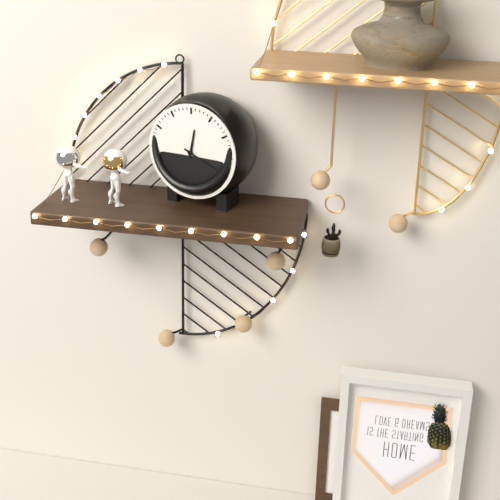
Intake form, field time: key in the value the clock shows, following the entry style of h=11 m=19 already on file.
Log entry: h=12 m=19
